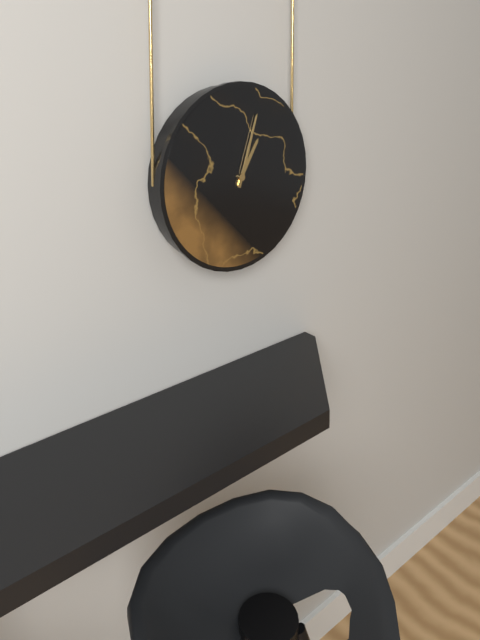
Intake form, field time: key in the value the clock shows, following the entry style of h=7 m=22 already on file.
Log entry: h=1 m=3
